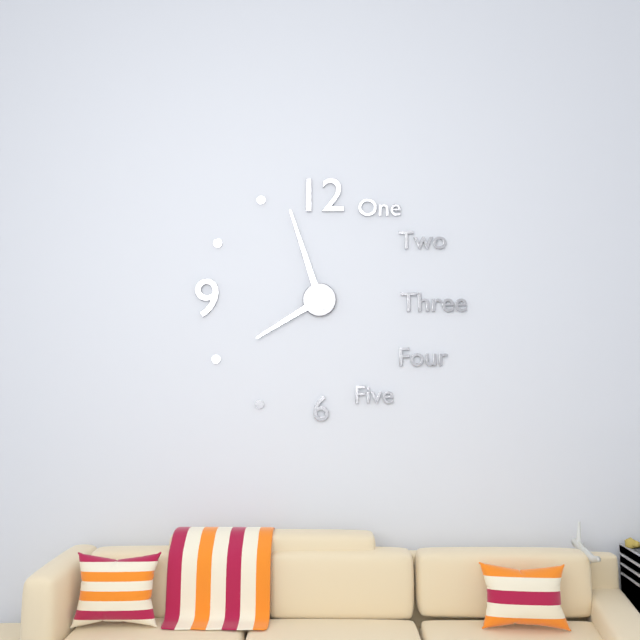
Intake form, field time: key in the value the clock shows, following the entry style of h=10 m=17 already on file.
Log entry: h=7 m=57
